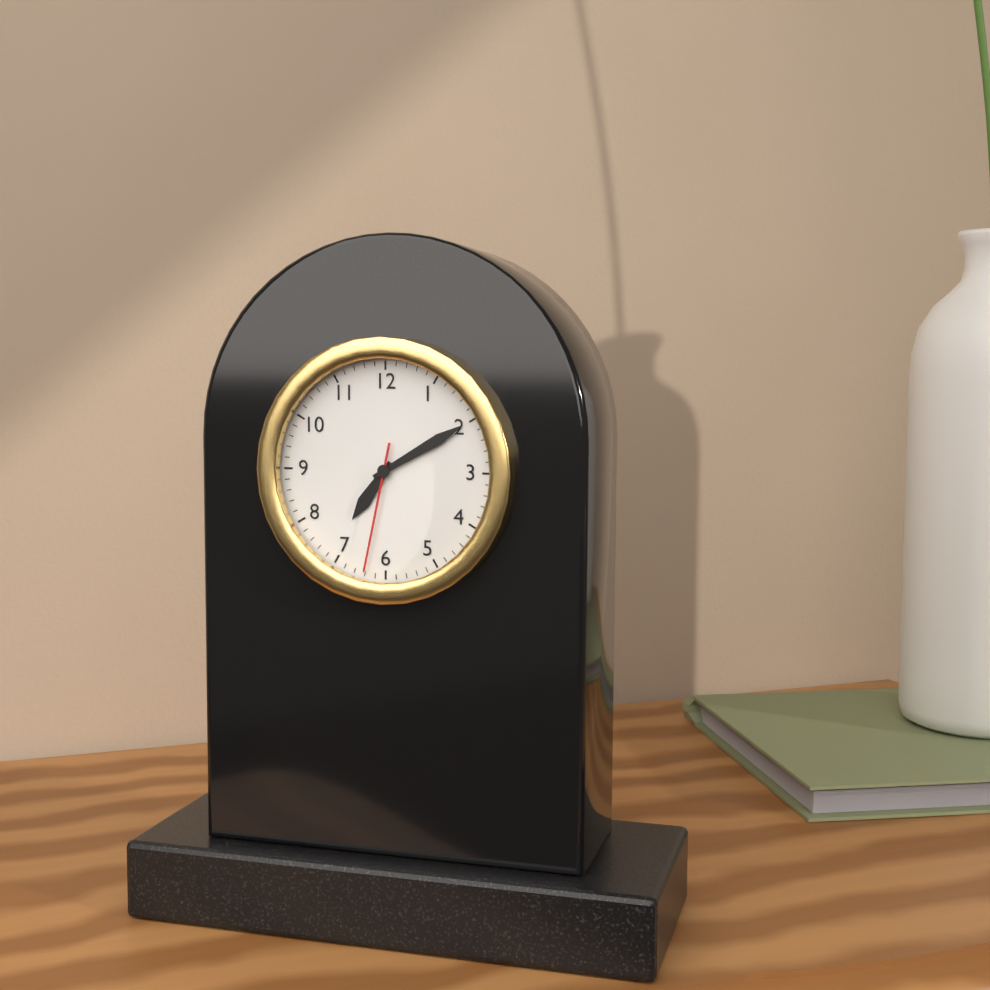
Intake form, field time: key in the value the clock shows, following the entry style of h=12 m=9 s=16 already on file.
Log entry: h=7 m=10 s=32
